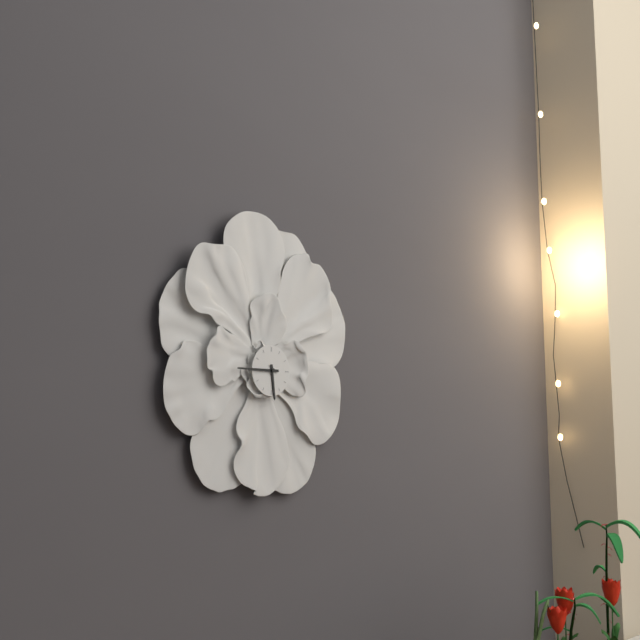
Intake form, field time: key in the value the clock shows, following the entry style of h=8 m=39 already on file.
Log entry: h=5 m=45
